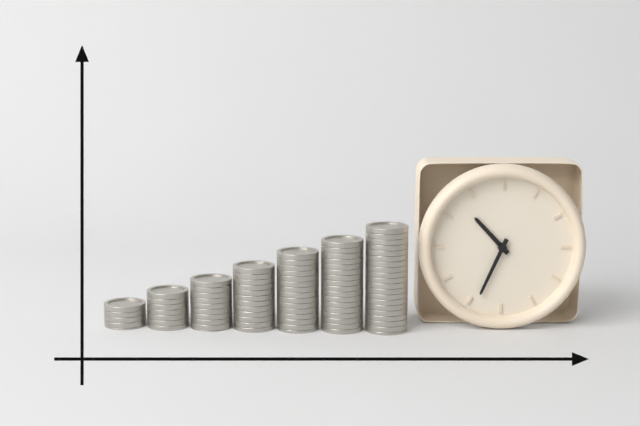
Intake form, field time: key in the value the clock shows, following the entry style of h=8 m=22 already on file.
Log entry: h=10 m=34
